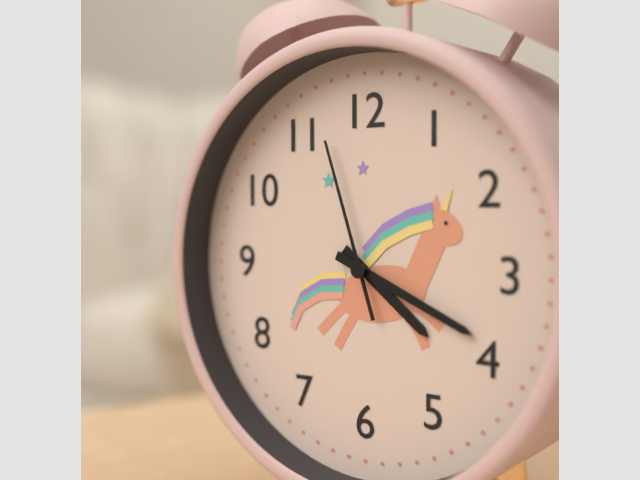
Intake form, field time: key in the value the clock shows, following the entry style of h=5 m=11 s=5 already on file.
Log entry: h=4 m=19 s=57
